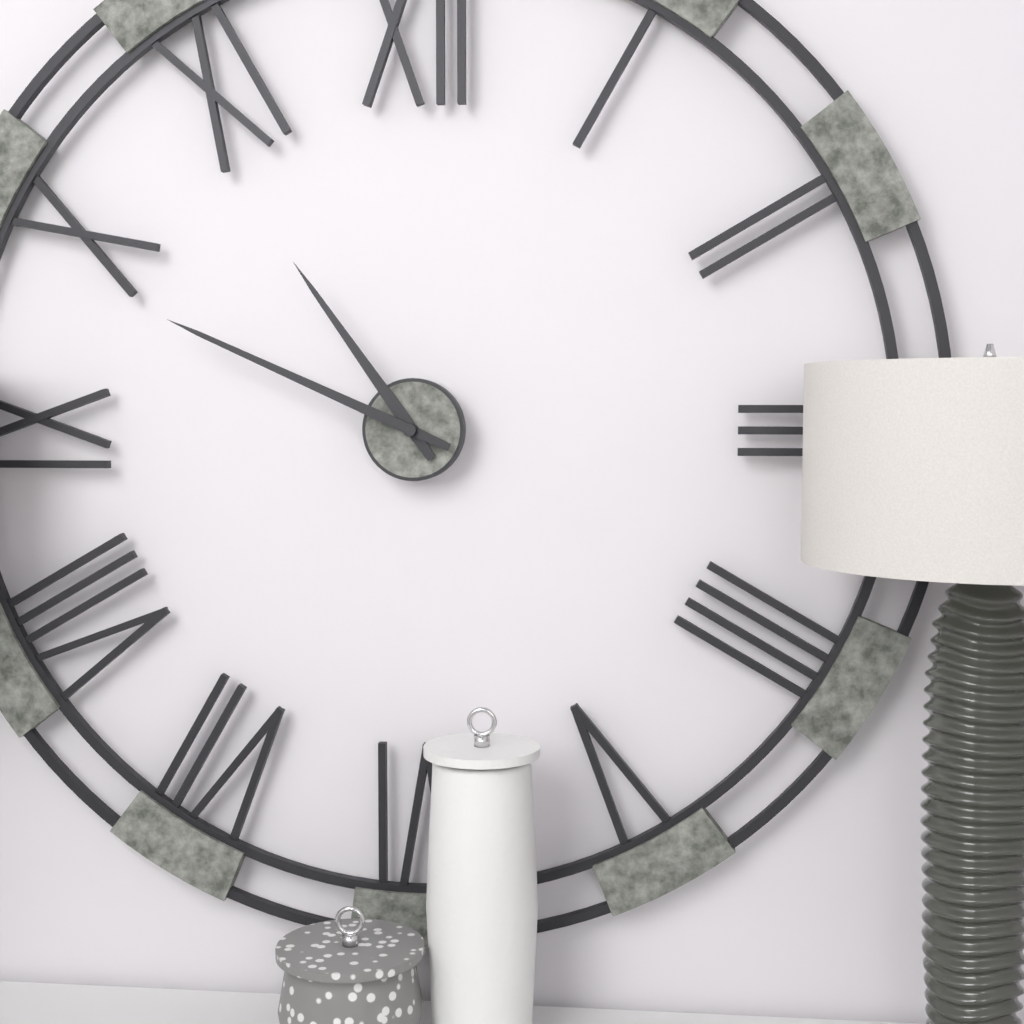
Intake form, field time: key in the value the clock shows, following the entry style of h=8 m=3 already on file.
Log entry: h=10 m=49
